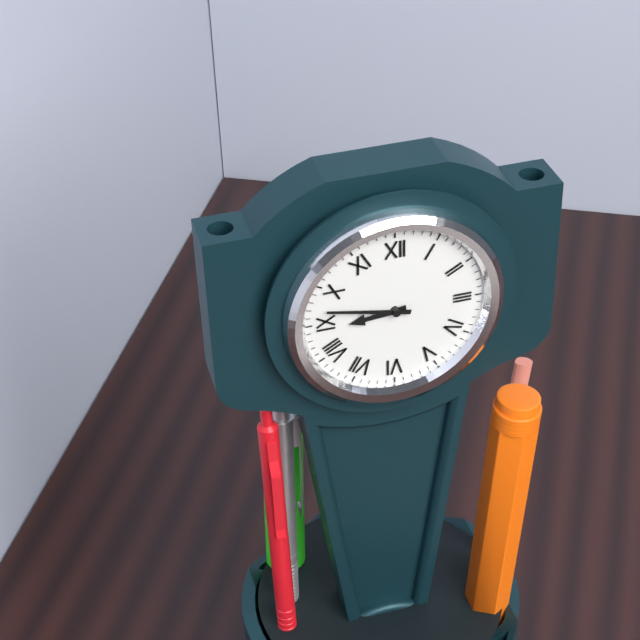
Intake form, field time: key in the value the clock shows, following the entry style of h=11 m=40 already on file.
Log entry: h=8 m=47
